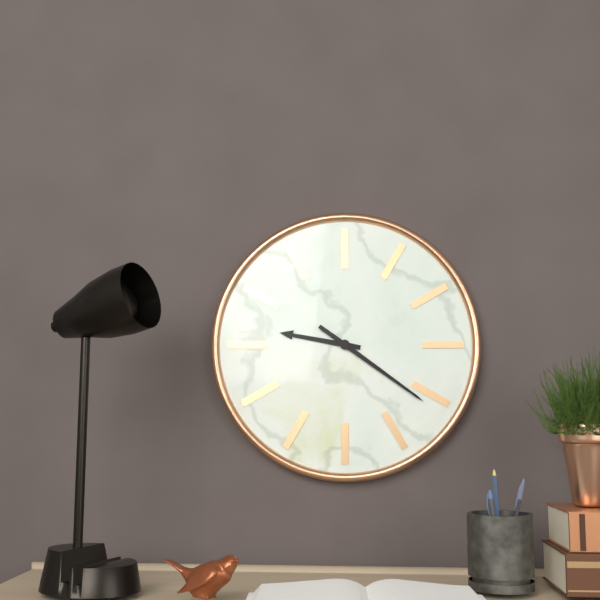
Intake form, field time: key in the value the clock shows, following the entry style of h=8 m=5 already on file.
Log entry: h=9 m=21
